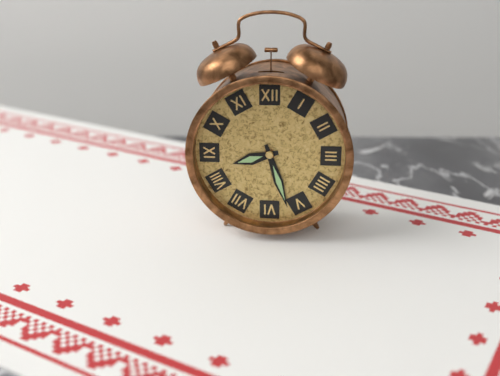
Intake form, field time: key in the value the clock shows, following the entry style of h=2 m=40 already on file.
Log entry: h=8 m=27
